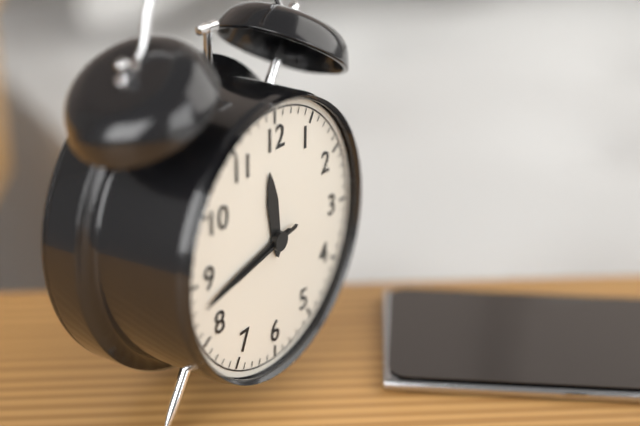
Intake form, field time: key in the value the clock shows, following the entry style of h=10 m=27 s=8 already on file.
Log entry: h=11 m=43 s=43
